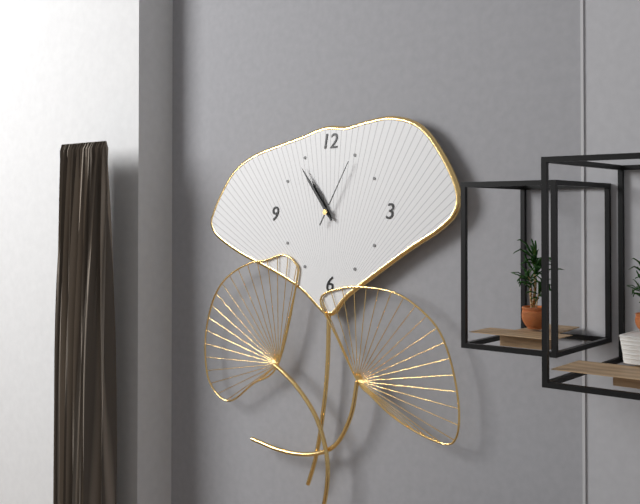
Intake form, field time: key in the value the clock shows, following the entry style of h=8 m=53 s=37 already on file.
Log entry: h=10 m=54 s=5
